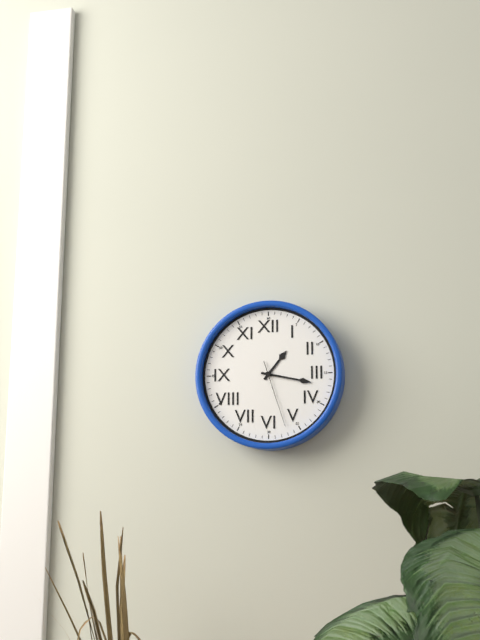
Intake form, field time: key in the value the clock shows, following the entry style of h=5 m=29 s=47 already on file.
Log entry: h=1 m=17 s=27
